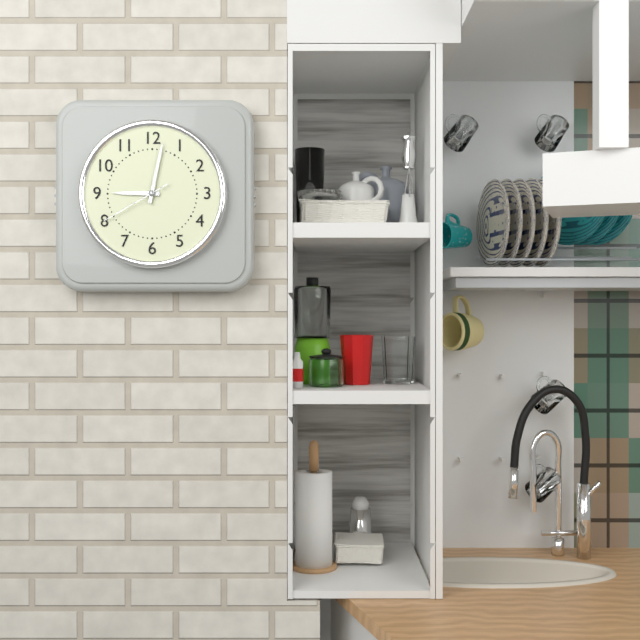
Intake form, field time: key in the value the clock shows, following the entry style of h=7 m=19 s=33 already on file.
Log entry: h=9 m=2 s=40
